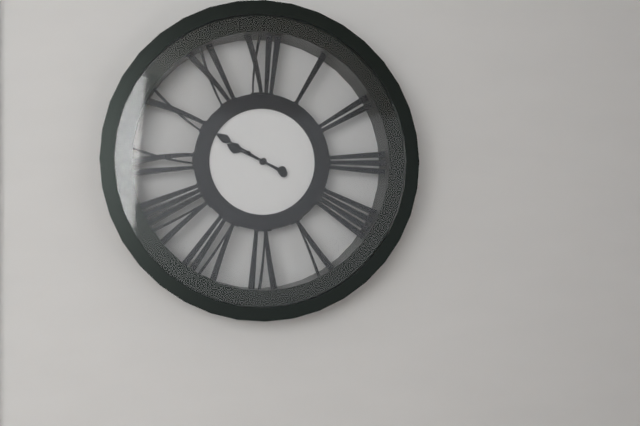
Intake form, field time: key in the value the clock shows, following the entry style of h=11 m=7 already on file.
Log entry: h=9 m=50
